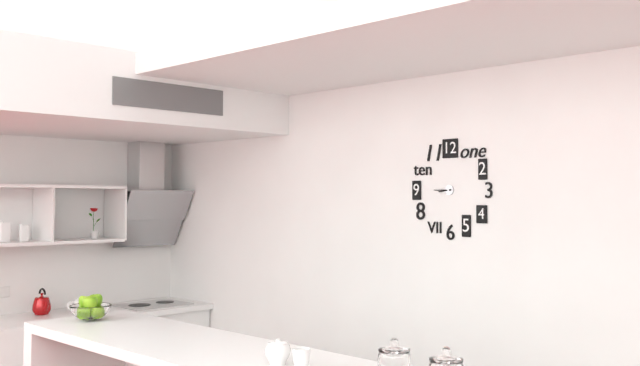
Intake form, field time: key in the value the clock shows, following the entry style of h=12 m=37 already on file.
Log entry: h=8 m=45
